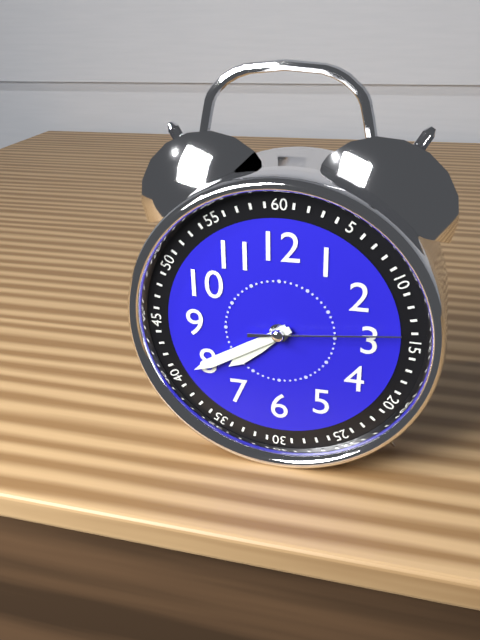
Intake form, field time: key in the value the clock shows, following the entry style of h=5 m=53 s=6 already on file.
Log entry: h=7 m=40 s=14
